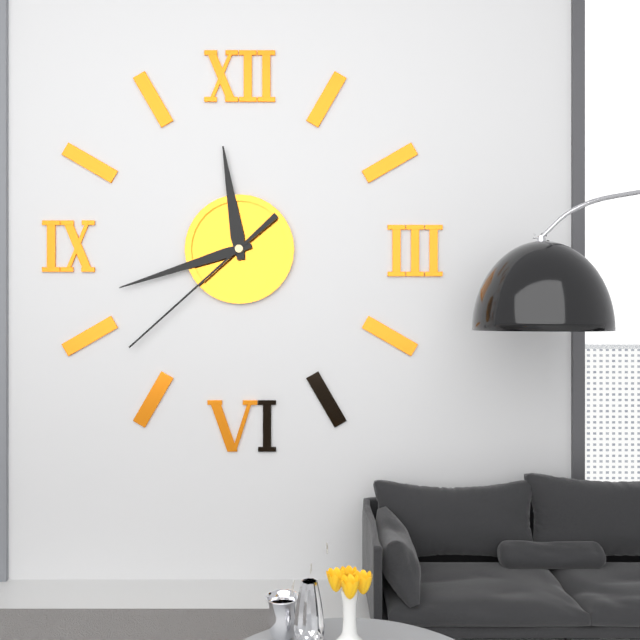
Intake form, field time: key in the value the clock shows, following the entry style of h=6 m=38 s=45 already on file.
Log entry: h=11 m=42 s=38
